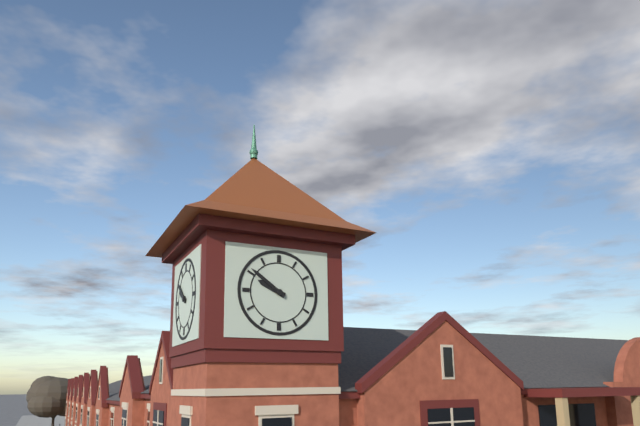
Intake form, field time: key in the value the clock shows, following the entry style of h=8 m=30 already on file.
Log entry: h=9 m=51
